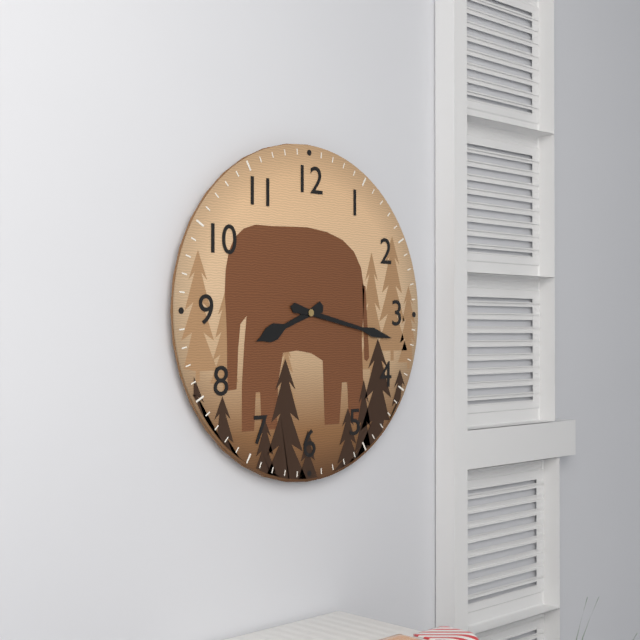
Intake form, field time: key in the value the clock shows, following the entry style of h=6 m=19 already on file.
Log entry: h=8 m=17
